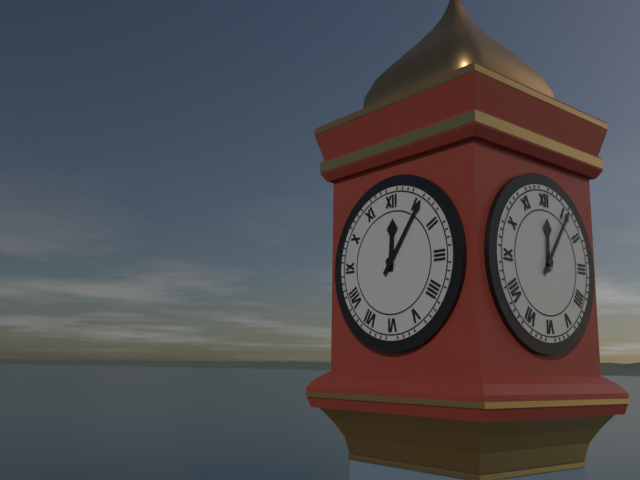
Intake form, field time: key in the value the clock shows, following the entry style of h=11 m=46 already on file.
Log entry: h=12 m=6
